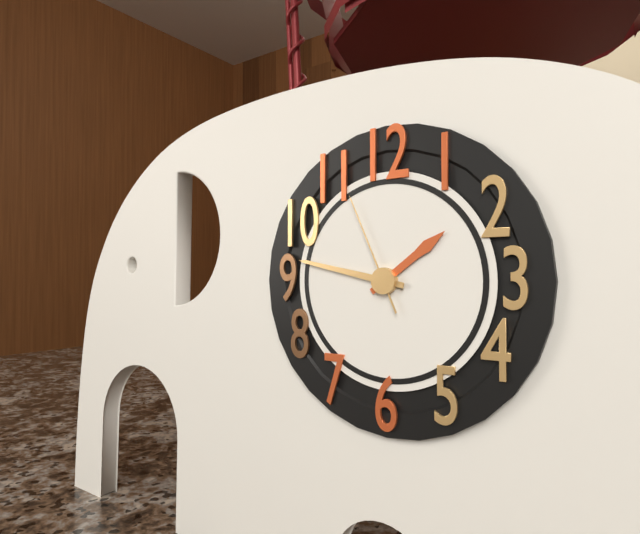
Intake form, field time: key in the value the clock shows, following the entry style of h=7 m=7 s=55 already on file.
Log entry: h=1 m=47 s=56
